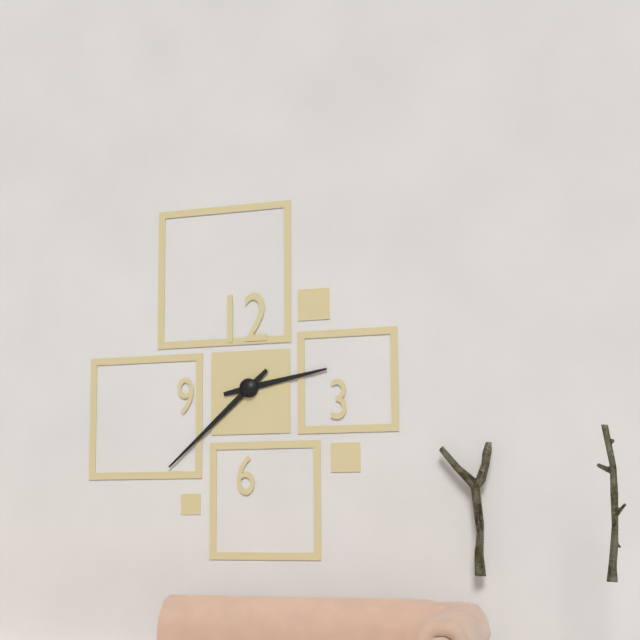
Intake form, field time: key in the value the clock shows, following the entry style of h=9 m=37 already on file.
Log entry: h=2 m=38
